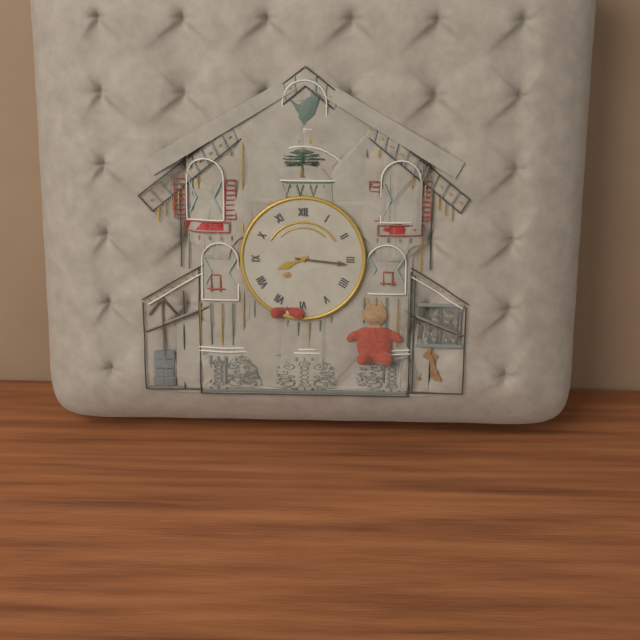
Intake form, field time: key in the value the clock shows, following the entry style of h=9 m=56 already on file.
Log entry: h=8 m=16
